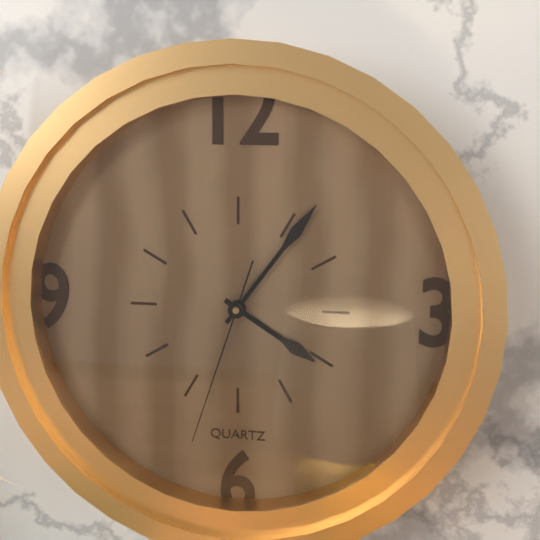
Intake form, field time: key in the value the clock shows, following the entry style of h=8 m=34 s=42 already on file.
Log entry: h=4 m=6 s=33
